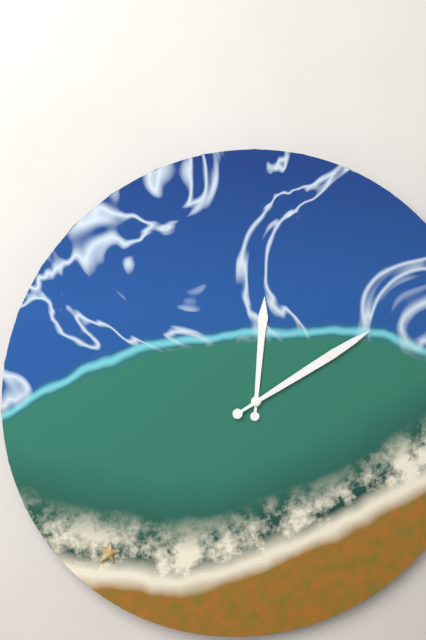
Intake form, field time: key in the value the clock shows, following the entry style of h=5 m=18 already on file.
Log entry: h=12 m=10
